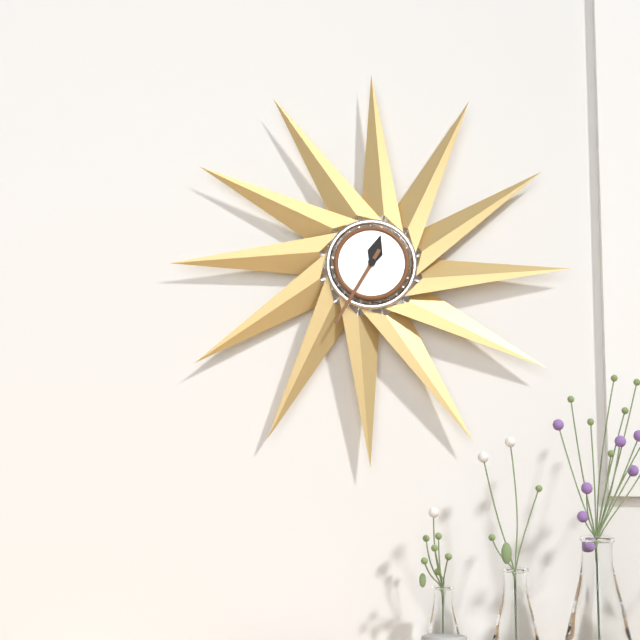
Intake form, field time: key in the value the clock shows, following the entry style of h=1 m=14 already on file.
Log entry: h=12 m=35
